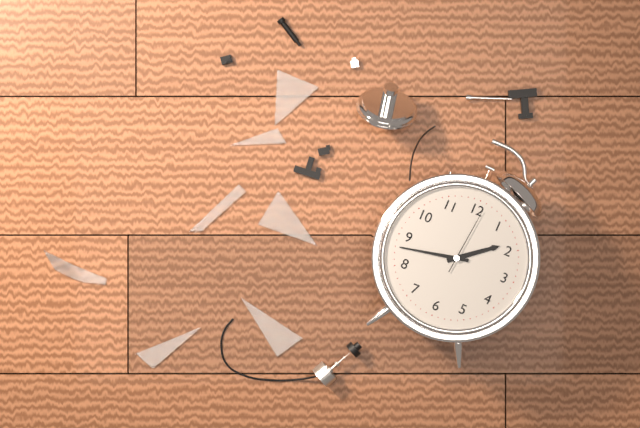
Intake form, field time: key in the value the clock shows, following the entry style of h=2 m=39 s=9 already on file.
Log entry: h=1 m=43 s=1
